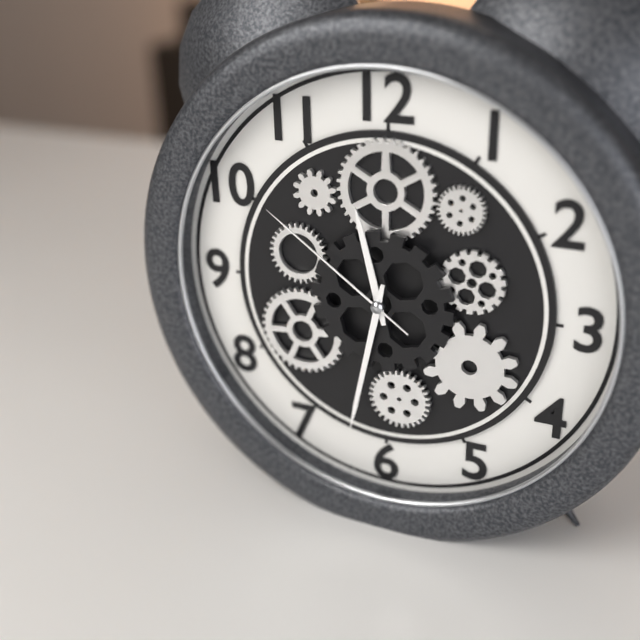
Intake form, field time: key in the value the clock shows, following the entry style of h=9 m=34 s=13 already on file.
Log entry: h=11 m=32 s=51
